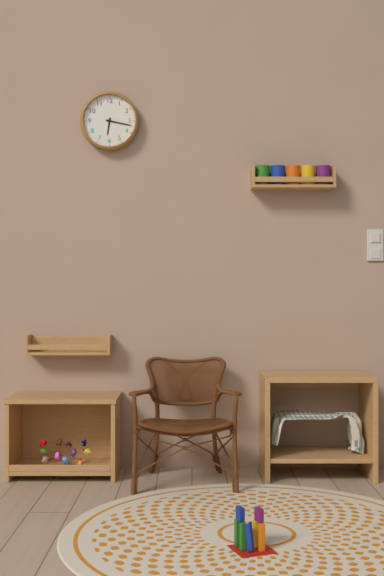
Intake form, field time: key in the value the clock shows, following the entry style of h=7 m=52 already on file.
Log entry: h=6 m=17
